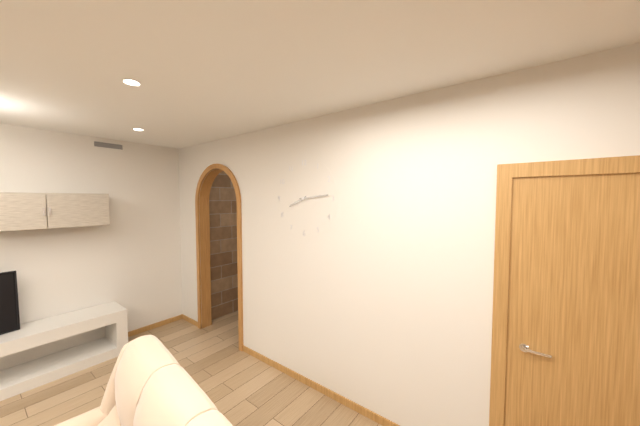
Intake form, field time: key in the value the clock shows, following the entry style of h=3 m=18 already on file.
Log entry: h=8 m=14
